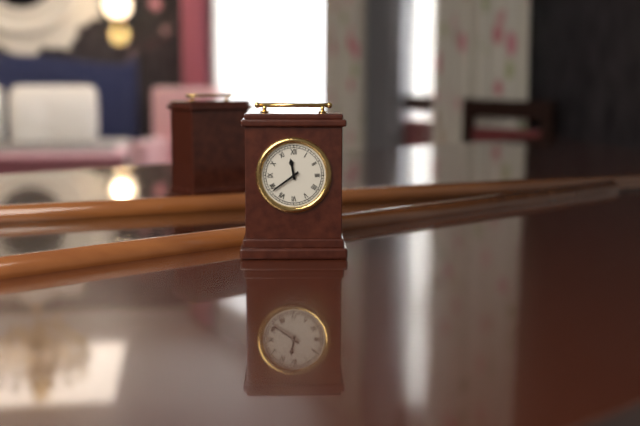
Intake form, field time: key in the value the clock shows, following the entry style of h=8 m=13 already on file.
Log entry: h=11 m=39
